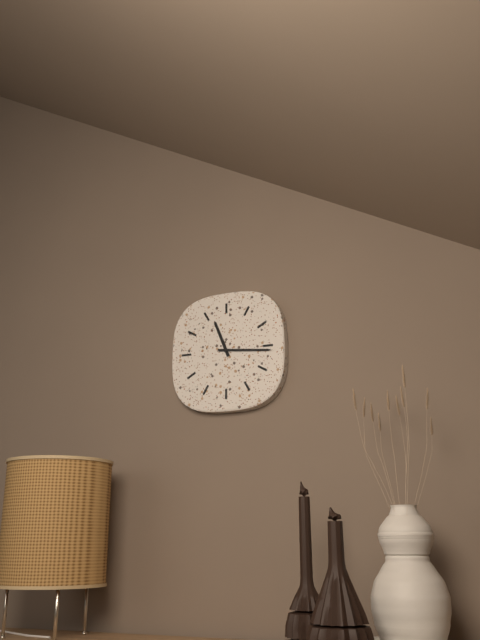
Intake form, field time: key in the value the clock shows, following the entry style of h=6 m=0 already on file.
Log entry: h=11 m=16
